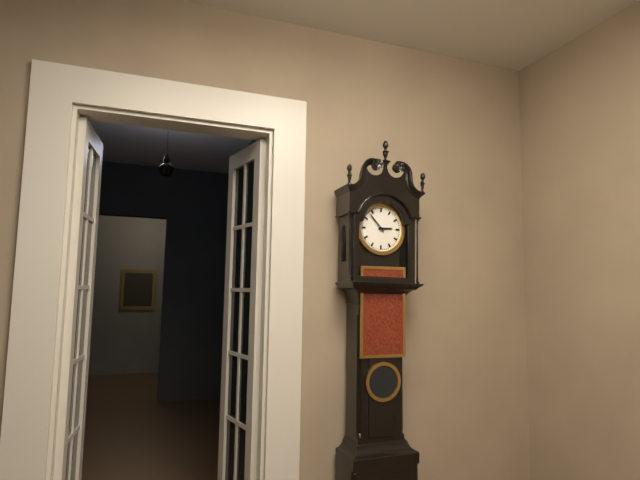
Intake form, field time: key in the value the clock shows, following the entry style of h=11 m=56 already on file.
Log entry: h=2 m=53
